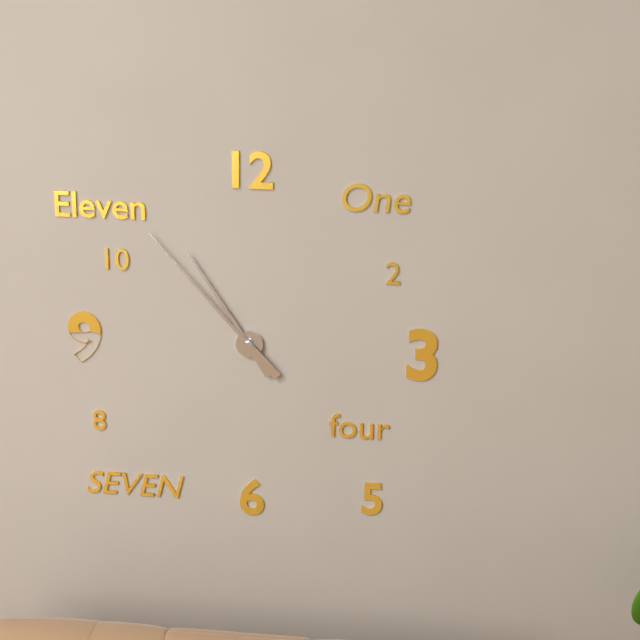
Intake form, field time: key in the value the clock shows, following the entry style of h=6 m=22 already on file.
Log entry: h=10 m=53
